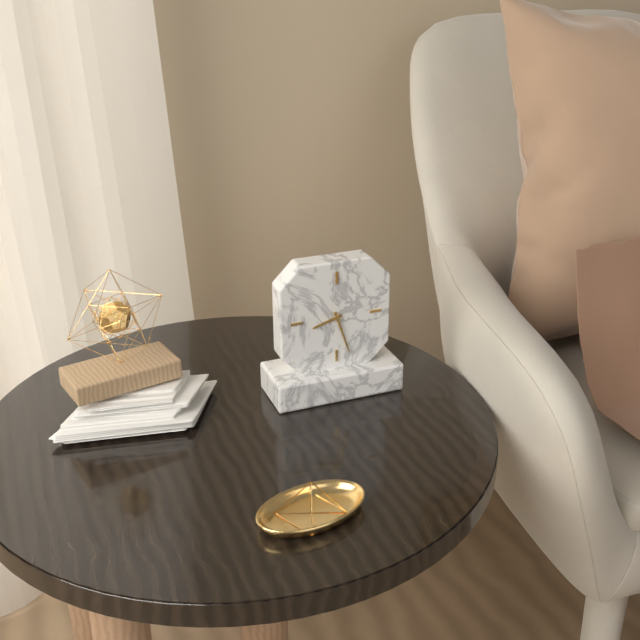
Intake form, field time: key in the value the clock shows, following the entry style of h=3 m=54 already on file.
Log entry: h=8 m=27
